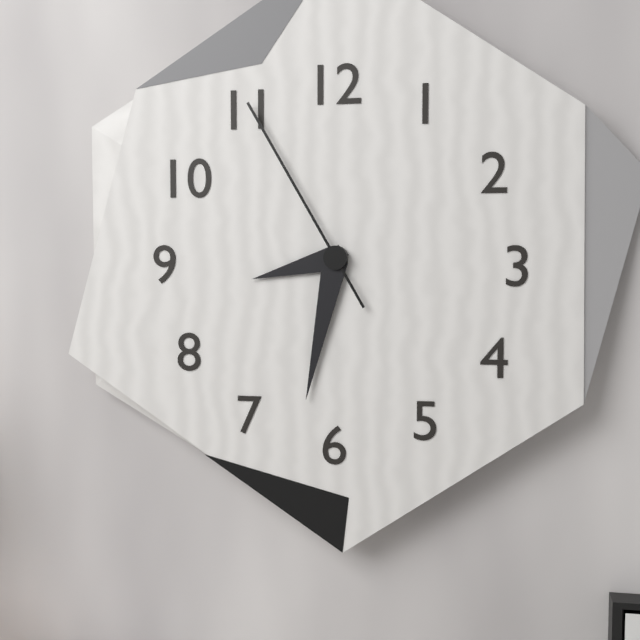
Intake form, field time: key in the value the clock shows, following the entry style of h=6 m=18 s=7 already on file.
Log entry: h=8 m=32 s=55
